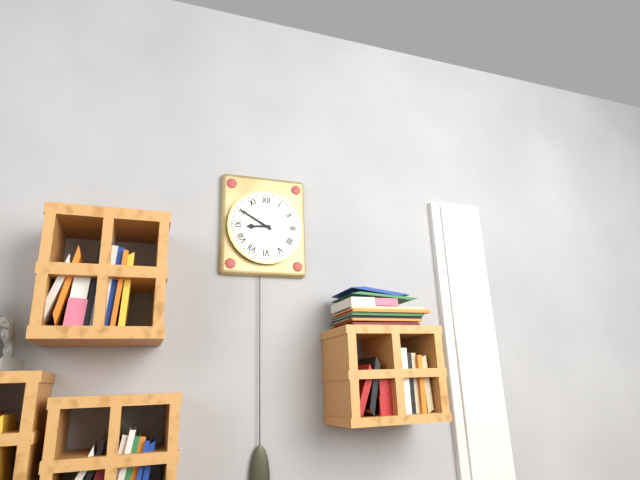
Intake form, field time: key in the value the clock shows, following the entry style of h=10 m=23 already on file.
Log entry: h=8 m=50
